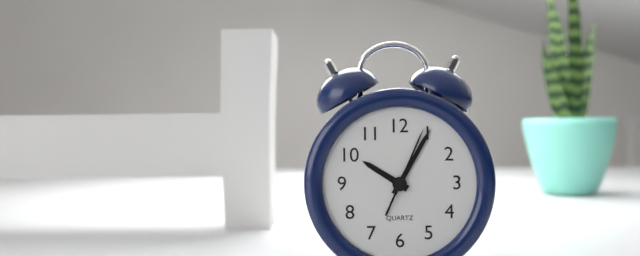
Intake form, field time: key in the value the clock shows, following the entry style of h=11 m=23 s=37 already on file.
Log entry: h=10 m=5 s=4
